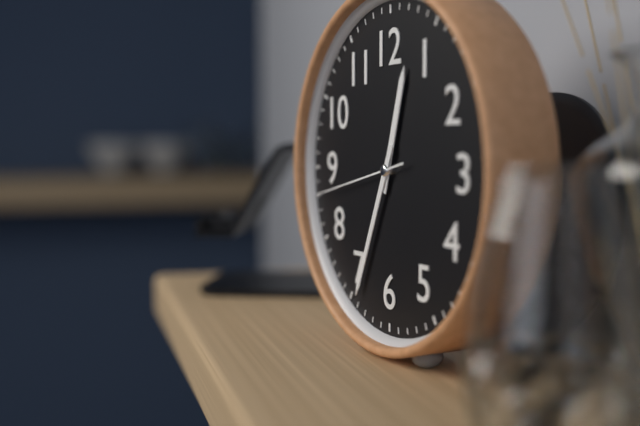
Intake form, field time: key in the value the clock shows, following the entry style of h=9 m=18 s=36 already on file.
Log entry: h=12 m=34 s=43
